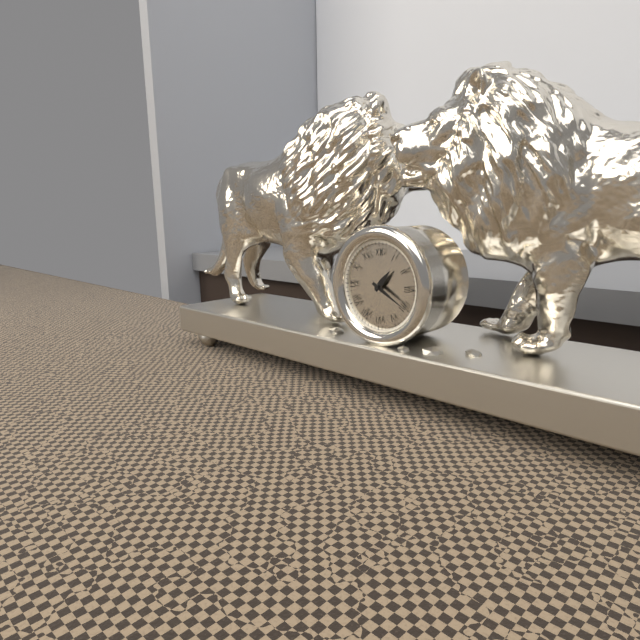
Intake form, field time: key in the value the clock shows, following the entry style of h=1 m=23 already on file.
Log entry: h=1 m=20
